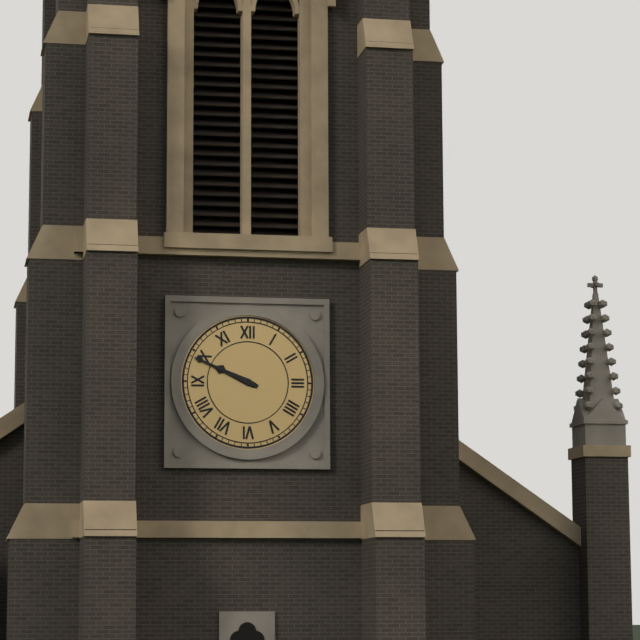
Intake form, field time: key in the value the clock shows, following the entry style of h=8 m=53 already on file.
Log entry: h=9 m=49
